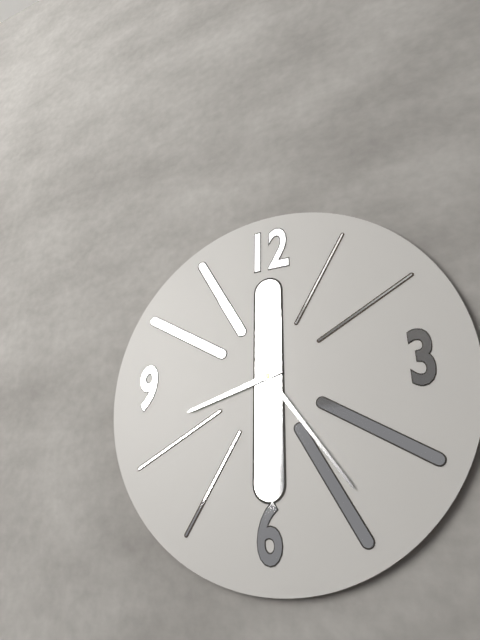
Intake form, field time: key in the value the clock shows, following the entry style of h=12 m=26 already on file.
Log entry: h=8 m=24
